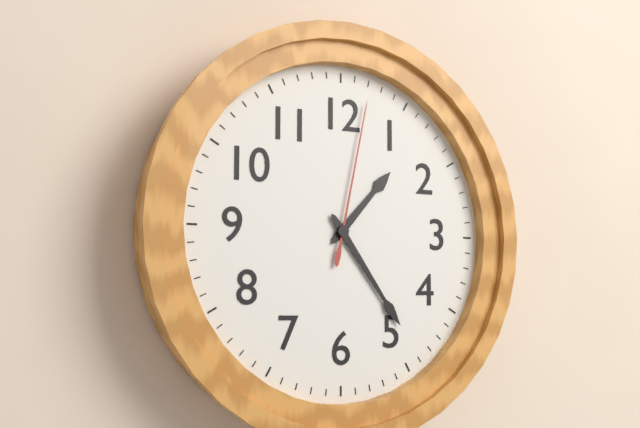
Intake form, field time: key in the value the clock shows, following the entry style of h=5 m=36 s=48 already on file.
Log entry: h=1 m=24 s=2
